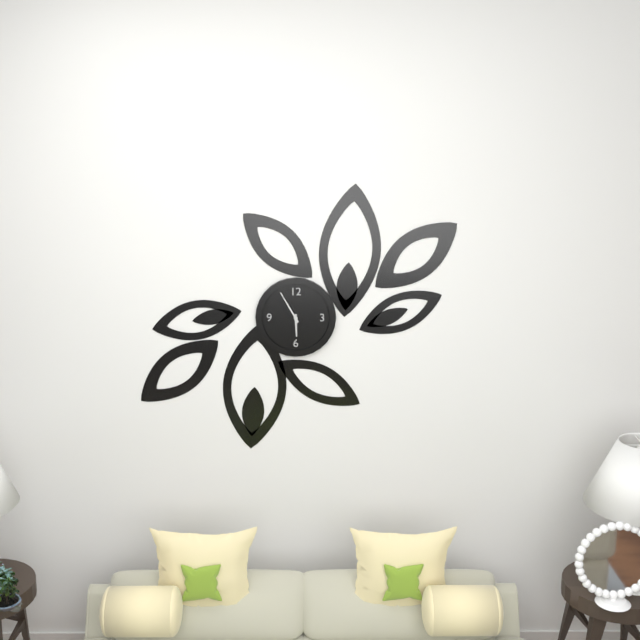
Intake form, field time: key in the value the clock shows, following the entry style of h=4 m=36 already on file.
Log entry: h=5 m=55
